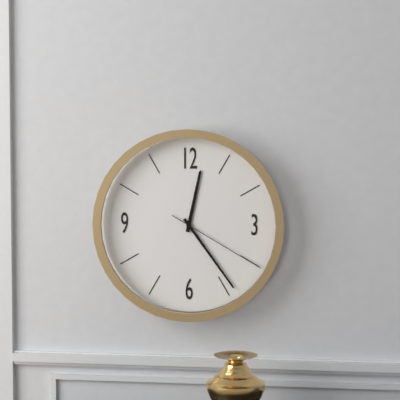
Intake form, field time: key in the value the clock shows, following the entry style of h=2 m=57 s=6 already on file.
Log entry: h=12 m=24 s=20
